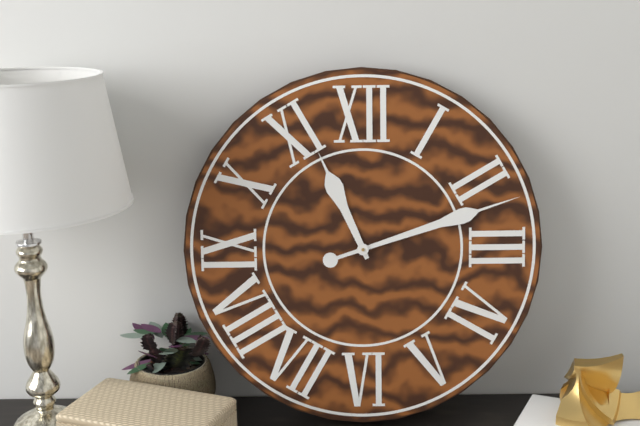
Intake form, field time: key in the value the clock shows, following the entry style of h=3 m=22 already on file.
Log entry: h=11 m=12
